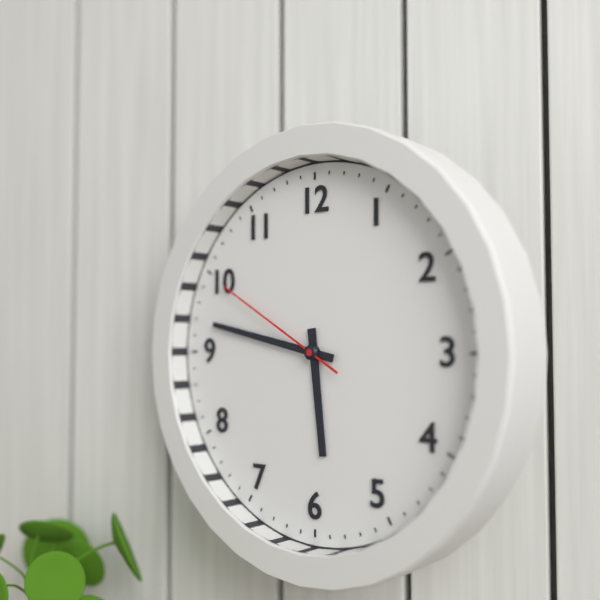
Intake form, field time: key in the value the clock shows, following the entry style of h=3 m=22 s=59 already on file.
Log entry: h=5 m=47 s=50
